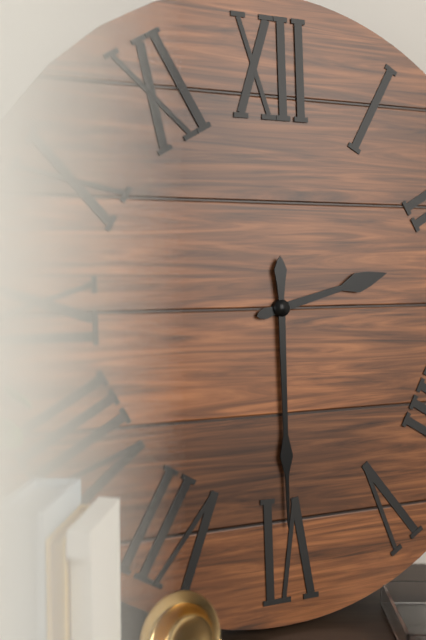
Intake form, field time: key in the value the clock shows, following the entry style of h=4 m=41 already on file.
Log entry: h=2 m=30
